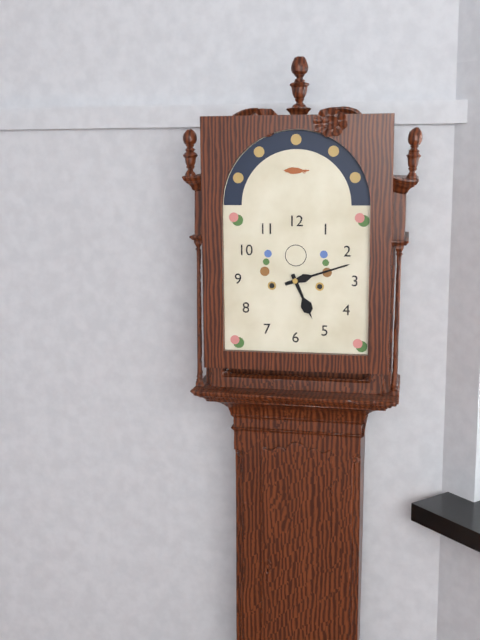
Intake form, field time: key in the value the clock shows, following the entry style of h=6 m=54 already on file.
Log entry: h=5 m=12
